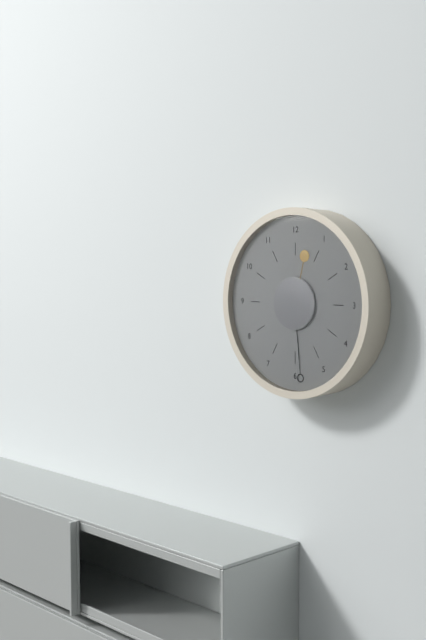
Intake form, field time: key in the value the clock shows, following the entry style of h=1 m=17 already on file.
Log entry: h=12 m=29
